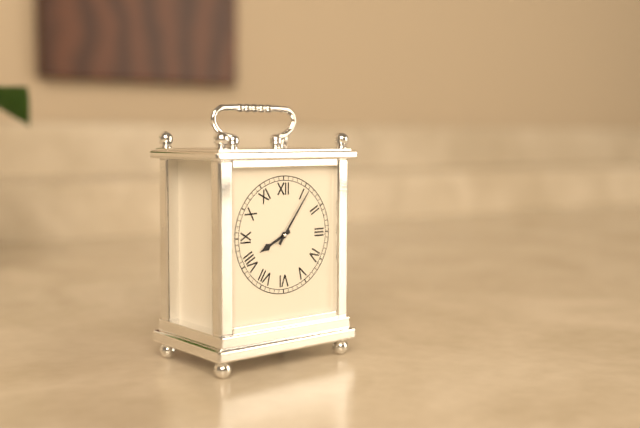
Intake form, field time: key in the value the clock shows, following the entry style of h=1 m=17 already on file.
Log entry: h=8 m=6
